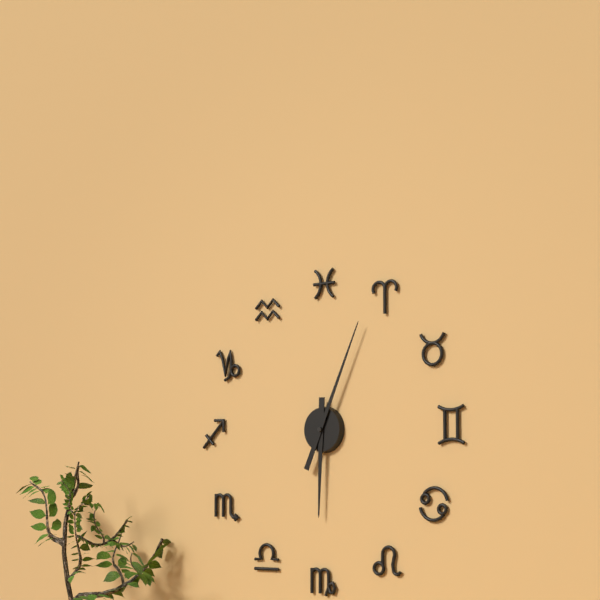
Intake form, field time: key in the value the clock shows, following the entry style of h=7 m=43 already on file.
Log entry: h=6 m=4
